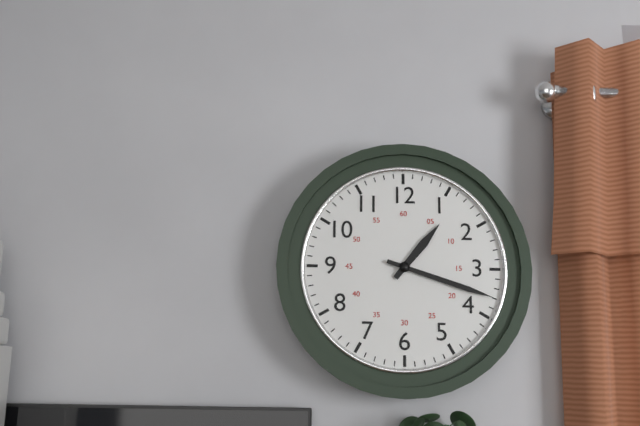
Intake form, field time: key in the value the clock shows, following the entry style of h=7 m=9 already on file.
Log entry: h=1 m=18
